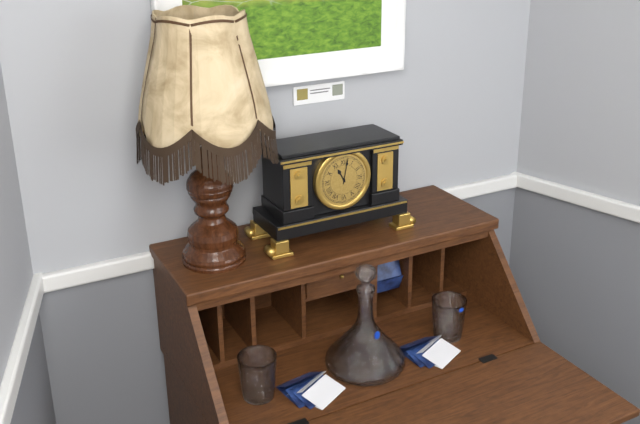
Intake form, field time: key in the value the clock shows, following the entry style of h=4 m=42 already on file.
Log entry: h=11 m=2
